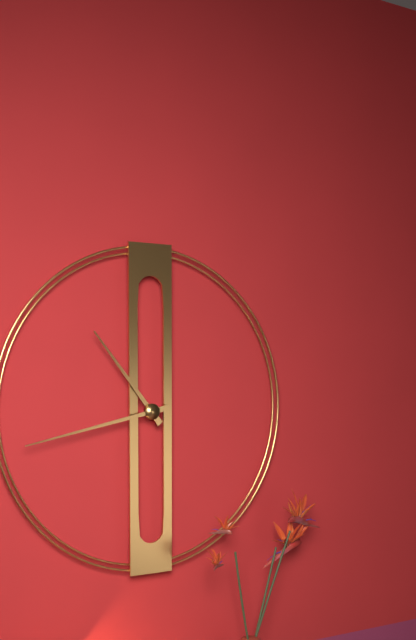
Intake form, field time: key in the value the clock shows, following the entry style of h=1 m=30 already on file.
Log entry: h=10 m=43
